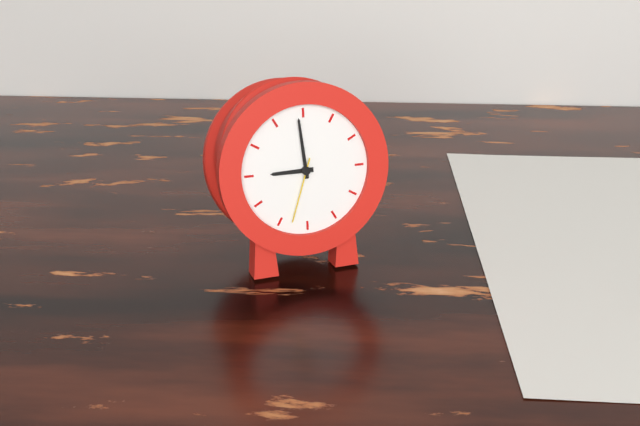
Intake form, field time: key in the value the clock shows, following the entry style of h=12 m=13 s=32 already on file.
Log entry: h=8 m=59 s=33
